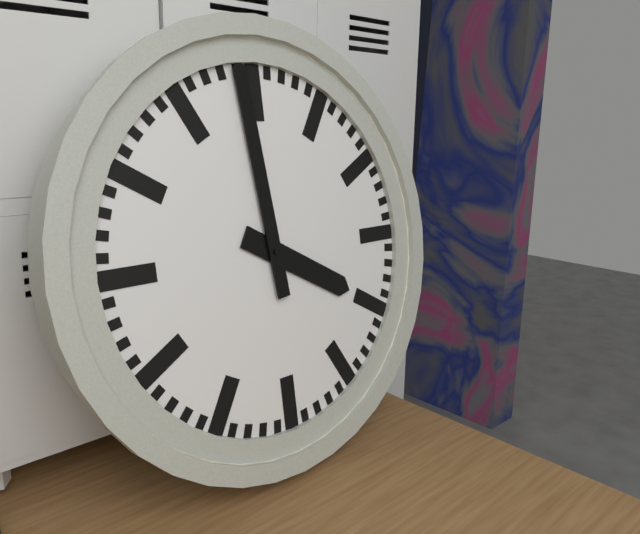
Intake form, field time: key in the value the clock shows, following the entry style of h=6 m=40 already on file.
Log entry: h=3 m=59
